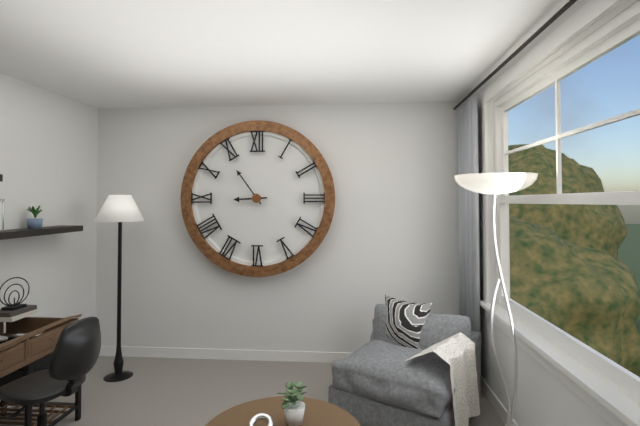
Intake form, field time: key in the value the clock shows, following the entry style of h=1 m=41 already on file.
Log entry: h=8 m=54
